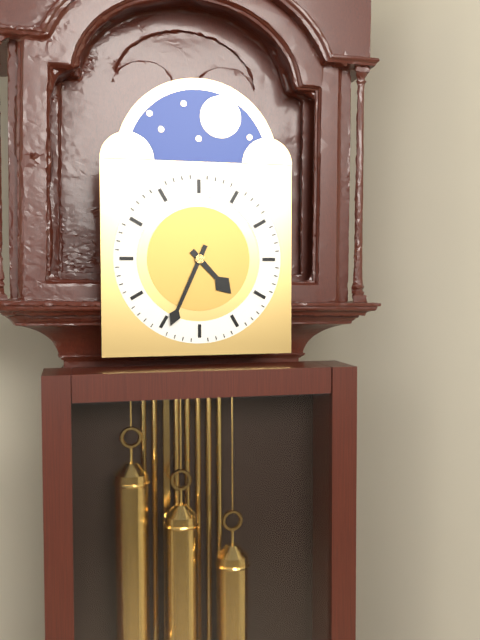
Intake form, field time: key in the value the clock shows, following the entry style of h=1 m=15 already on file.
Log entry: h=4 m=34
